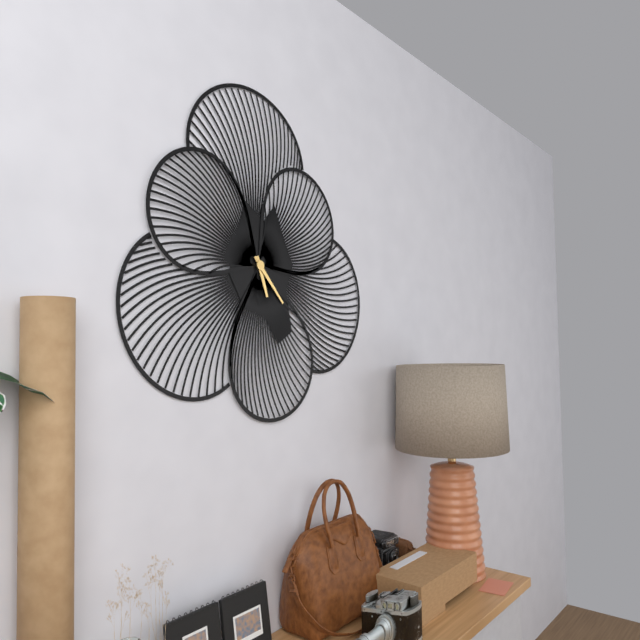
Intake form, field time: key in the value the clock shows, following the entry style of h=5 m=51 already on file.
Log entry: h=5 m=23
